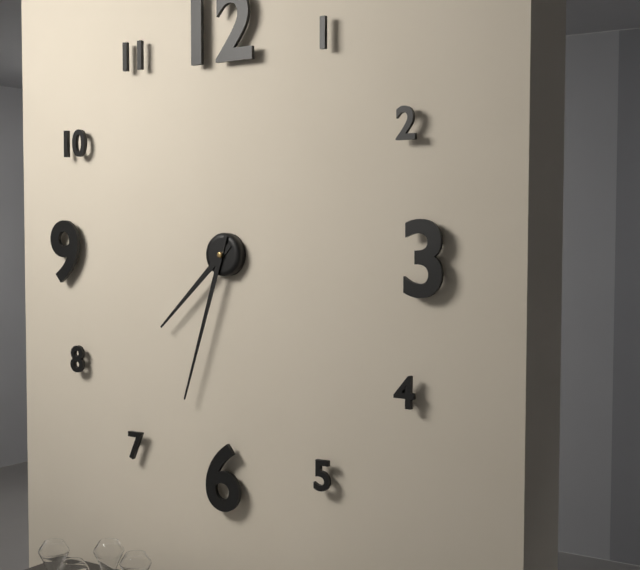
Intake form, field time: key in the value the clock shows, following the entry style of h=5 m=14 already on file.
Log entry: h=7 m=33
